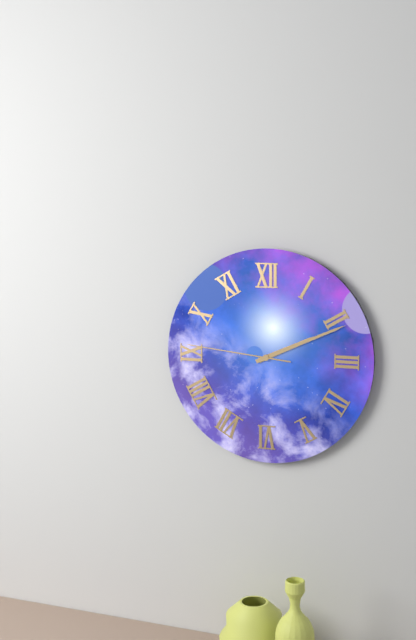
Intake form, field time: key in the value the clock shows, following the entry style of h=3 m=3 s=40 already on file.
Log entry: h=2 m=11 s=46
